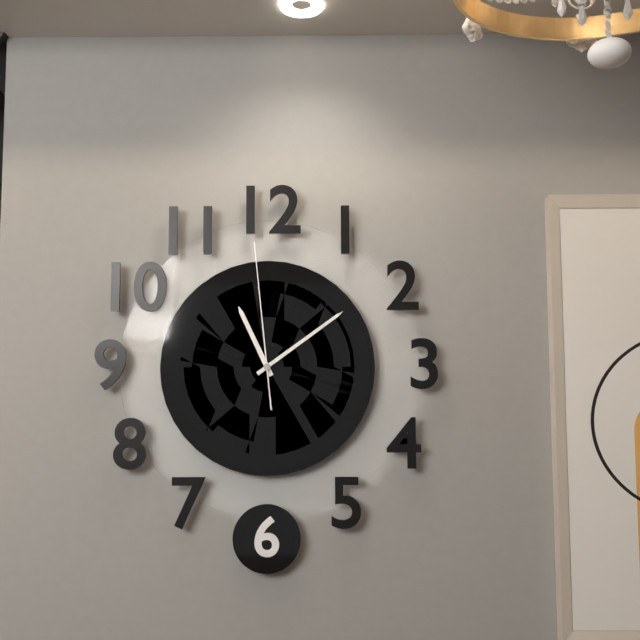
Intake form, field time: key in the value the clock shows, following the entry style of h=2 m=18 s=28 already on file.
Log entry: h=11 m=9 s=59
